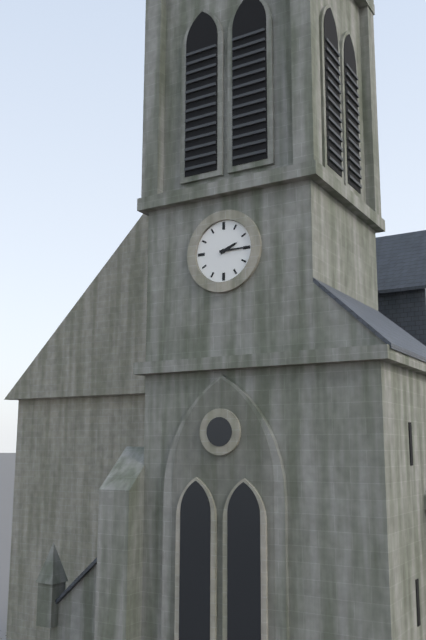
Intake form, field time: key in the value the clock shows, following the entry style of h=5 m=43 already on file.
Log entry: h=2 m=15
